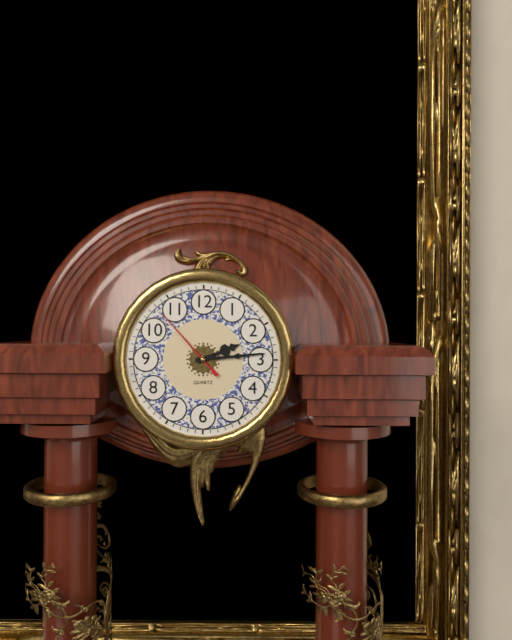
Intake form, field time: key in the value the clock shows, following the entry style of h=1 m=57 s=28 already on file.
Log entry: h=2 m=14 s=53
